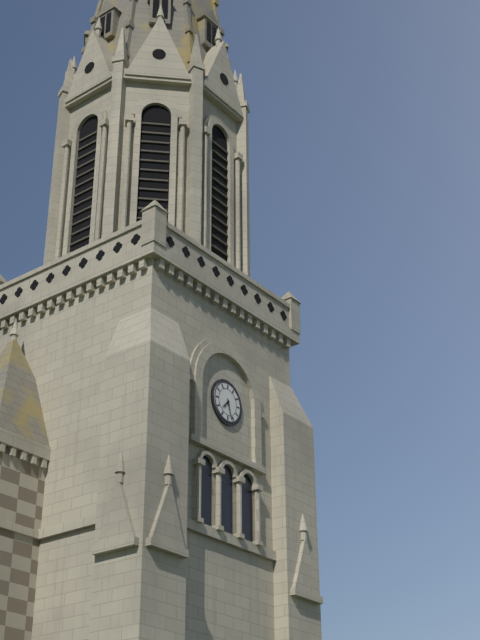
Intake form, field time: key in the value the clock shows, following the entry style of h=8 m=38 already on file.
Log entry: h=7 m=27
